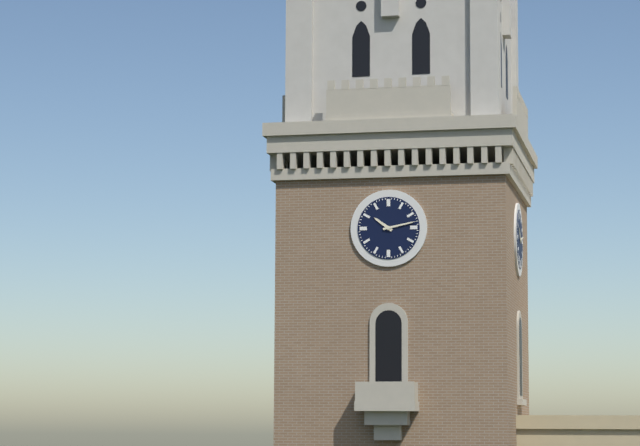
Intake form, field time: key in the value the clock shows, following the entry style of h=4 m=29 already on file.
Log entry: h=10 m=13
